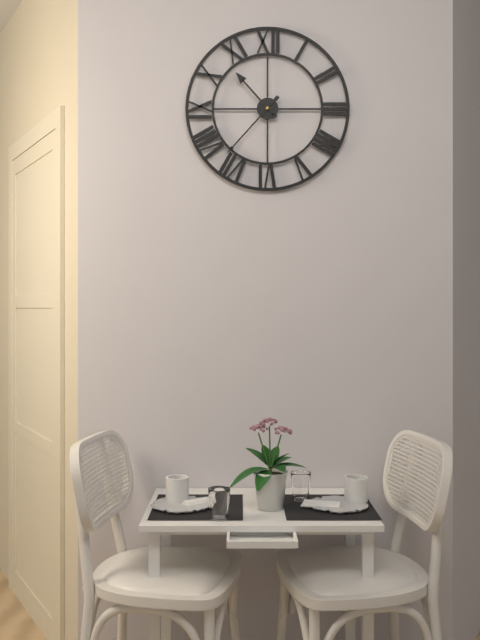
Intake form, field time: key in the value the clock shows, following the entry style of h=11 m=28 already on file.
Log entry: h=10 m=37
